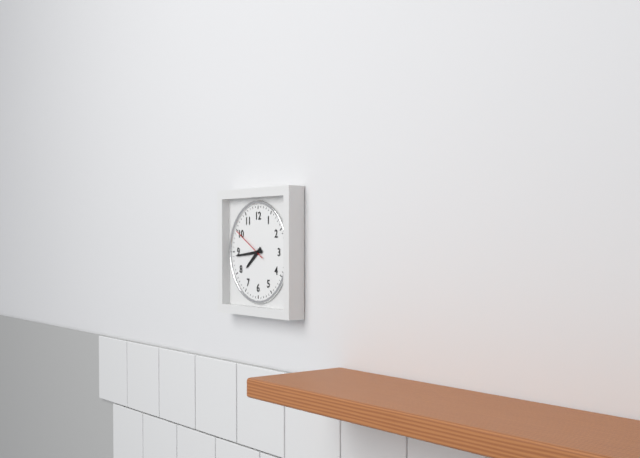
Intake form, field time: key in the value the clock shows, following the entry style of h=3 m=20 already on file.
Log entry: h=7 m=44
